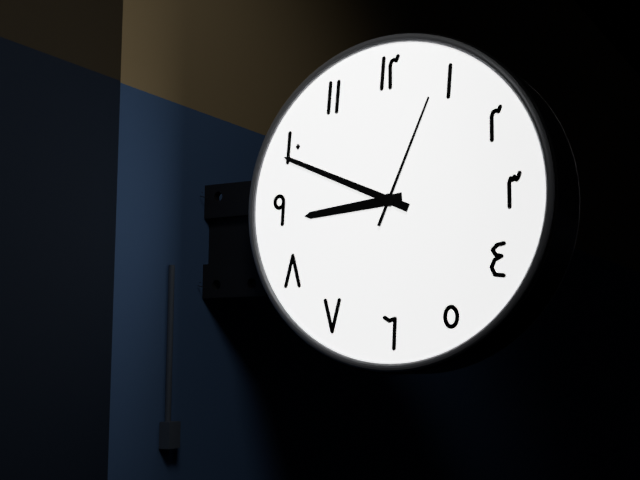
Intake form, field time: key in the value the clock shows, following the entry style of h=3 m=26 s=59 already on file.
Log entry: h=8 m=49 s=4
